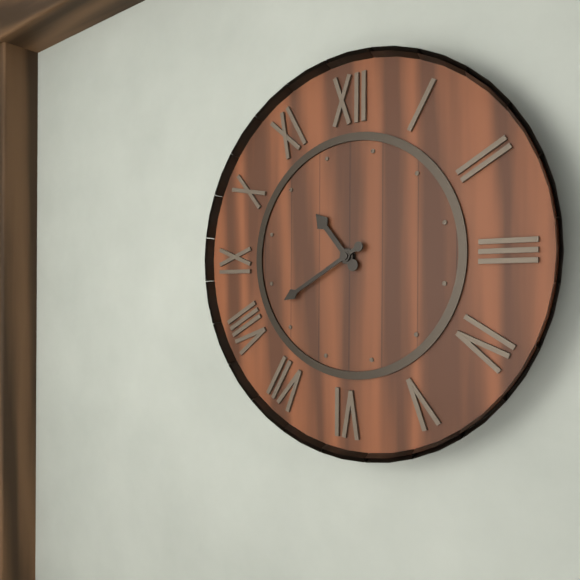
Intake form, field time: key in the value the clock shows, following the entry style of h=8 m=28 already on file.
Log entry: h=10 m=40
